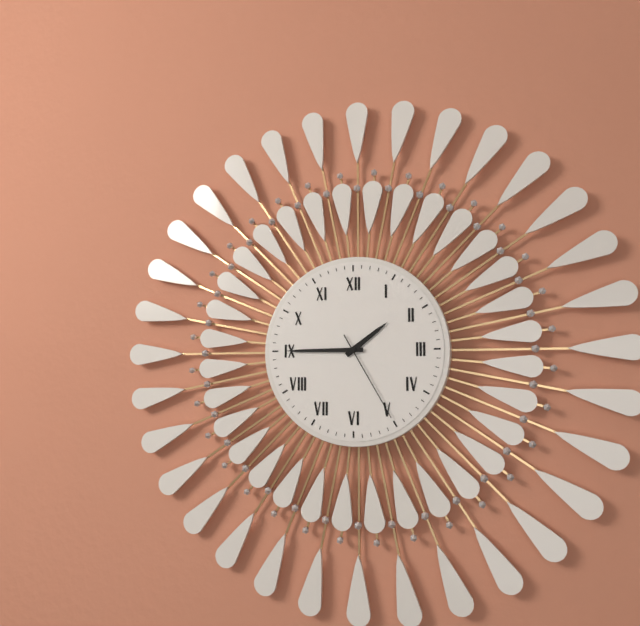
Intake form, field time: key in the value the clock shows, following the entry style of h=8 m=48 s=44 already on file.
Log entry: h=1 m=45 s=25
